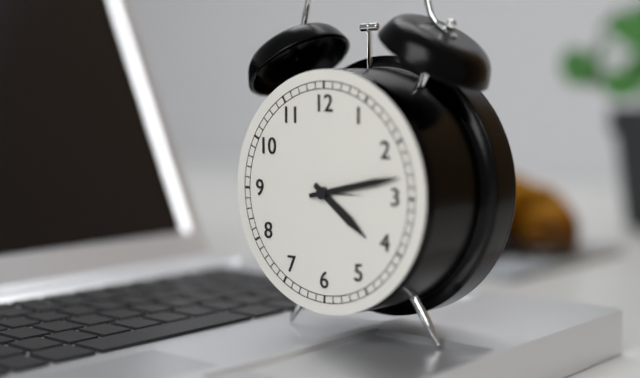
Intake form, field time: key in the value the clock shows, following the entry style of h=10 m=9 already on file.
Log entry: h=4 m=13
